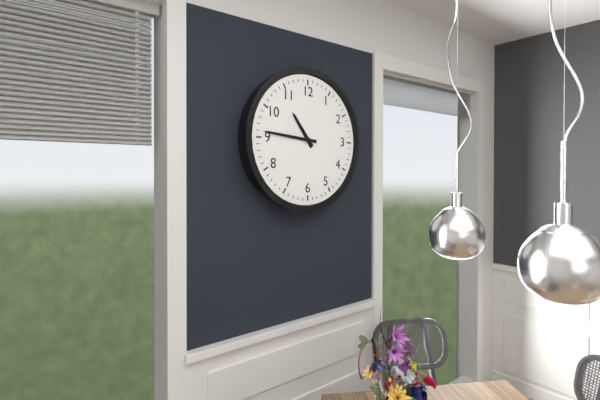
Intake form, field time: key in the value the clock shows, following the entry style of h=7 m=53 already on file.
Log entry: h=10 m=46
